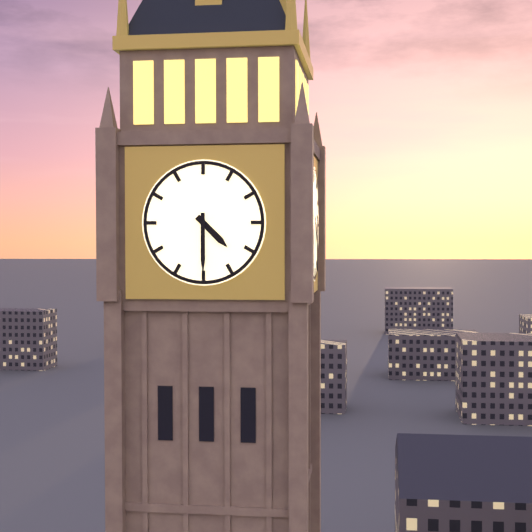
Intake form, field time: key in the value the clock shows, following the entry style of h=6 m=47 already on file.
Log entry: h=4 m=30
